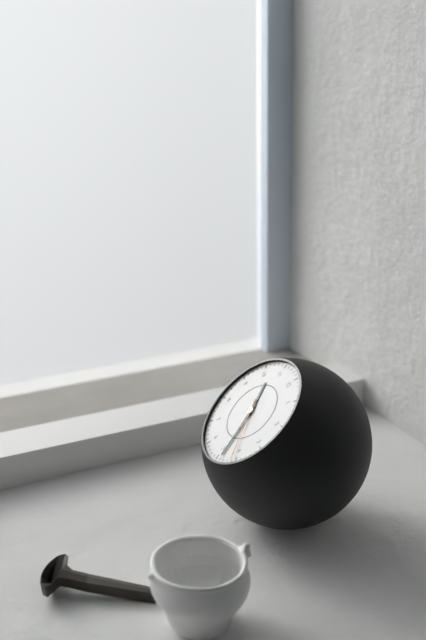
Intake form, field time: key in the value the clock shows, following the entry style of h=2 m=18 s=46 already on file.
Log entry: h=10 m=24 s=21
